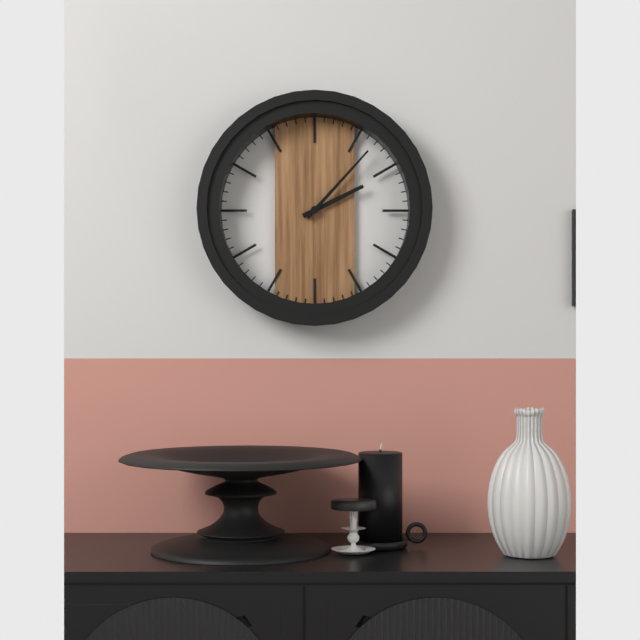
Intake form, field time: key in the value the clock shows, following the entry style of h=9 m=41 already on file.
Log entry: h=2 m=7
